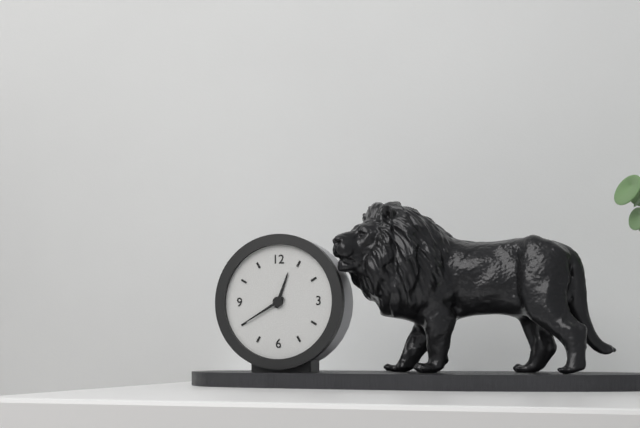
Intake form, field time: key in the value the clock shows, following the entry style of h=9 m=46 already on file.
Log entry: h=12 m=40
